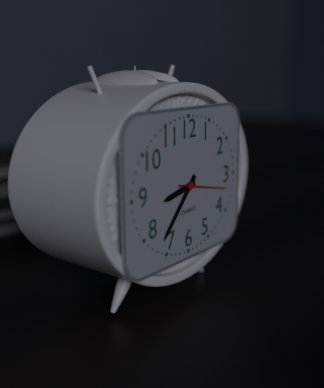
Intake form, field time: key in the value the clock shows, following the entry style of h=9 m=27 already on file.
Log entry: h=8 m=37
